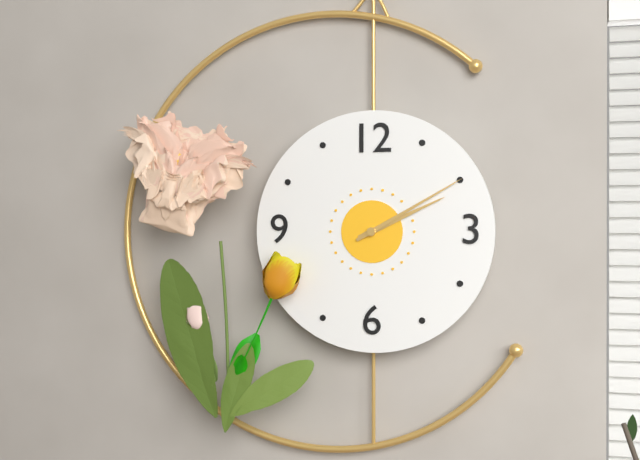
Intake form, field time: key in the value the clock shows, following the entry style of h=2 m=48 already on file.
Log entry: h=2 m=10
